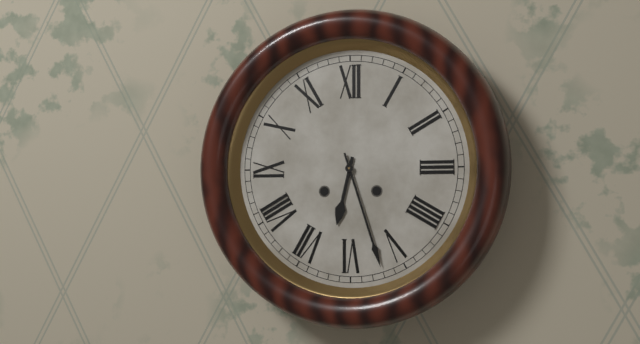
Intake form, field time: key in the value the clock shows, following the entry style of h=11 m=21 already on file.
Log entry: h=6 m=27
